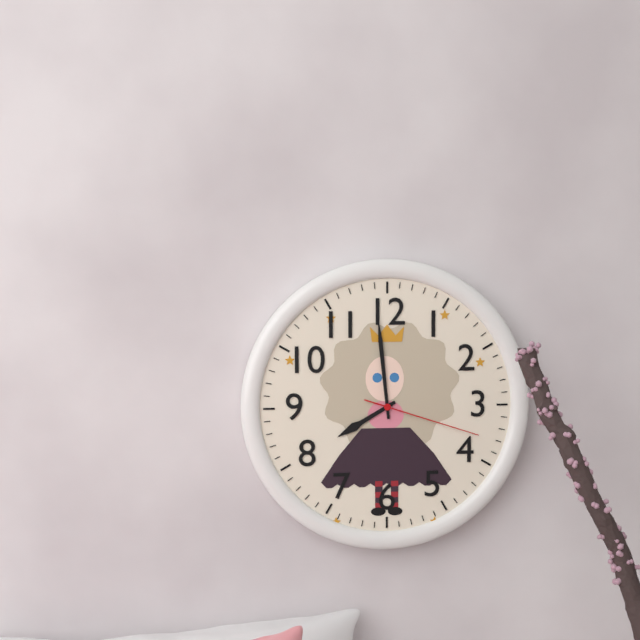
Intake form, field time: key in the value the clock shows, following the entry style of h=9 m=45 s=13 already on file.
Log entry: h=7 m=59 s=18
